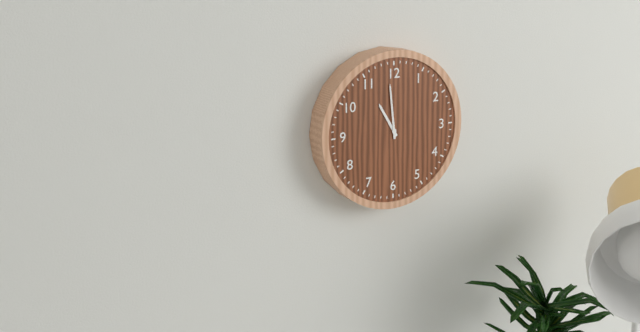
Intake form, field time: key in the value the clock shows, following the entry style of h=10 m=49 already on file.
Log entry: h=10 m=59
